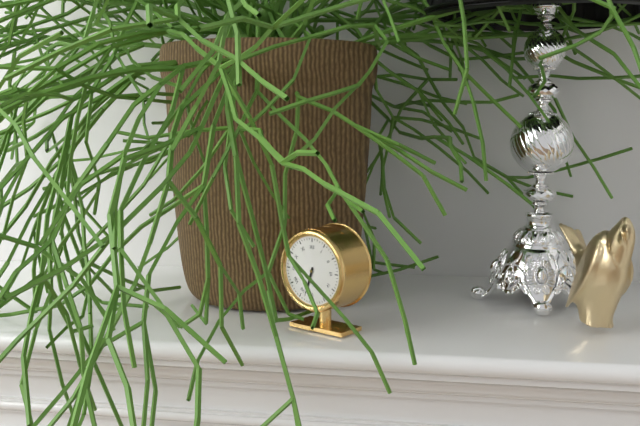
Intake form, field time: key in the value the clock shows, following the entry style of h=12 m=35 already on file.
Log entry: h=6 m=33
